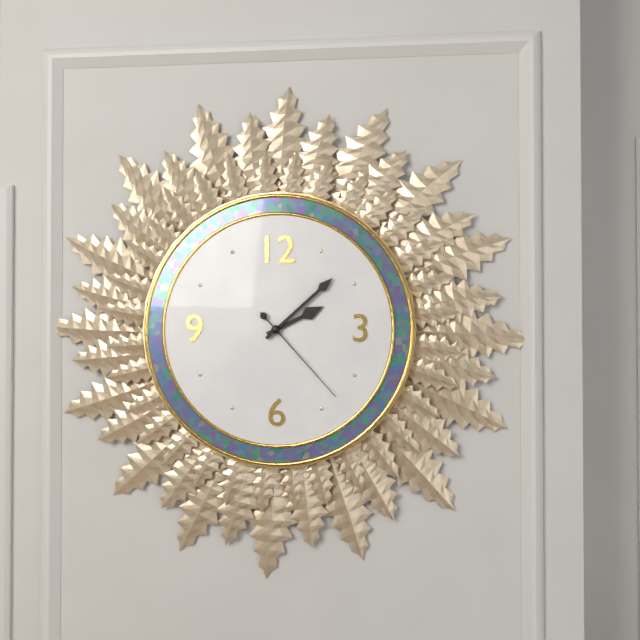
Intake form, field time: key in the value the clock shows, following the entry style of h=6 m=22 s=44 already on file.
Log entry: h=2 m=8 s=23
